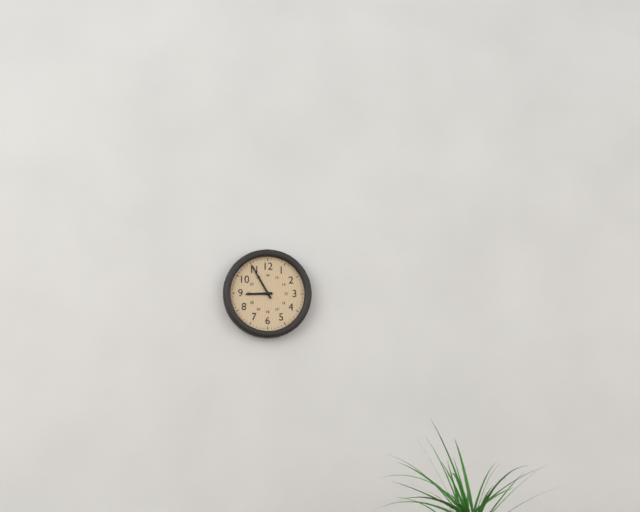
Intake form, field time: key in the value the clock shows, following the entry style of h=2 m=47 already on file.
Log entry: h=8 m=55
